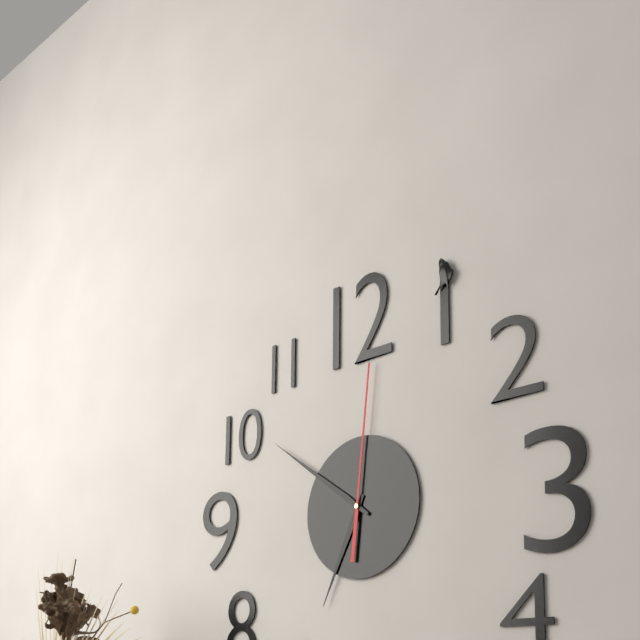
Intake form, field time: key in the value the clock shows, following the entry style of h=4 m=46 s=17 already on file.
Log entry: h=6 m=51 s=1
